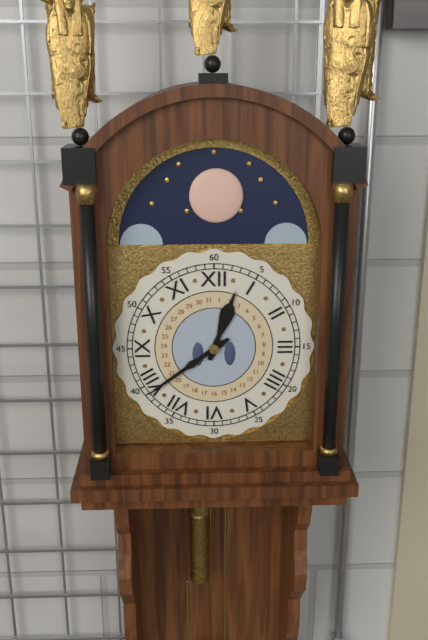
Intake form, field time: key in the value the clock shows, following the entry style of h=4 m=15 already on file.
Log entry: h=12 m=39
